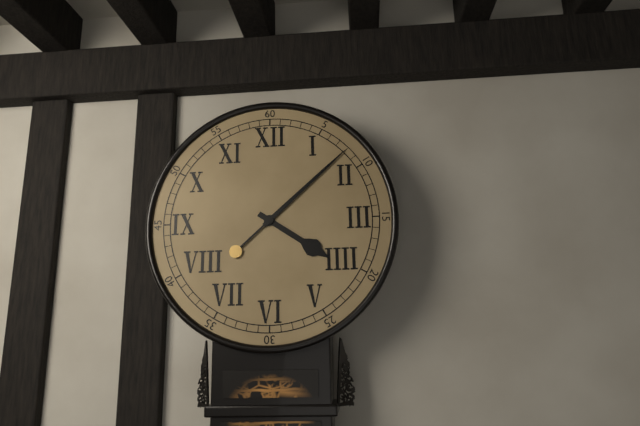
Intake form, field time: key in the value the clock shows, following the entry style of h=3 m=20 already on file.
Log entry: h=4 m=8
